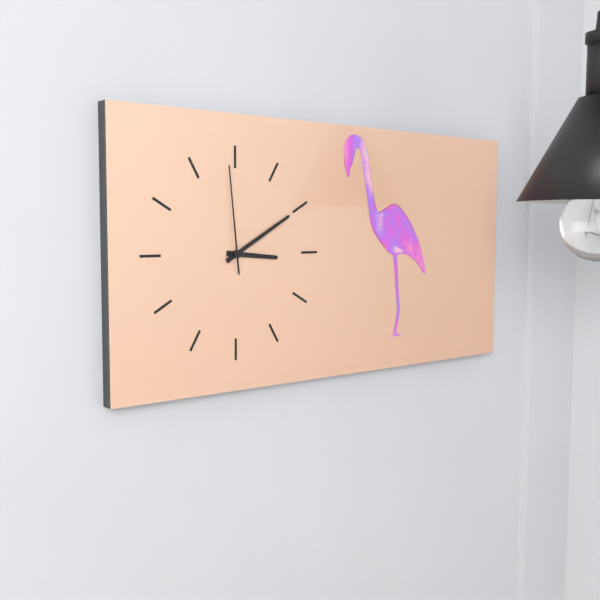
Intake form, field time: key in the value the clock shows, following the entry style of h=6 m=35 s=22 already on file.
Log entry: h=3 m=10 s=59
